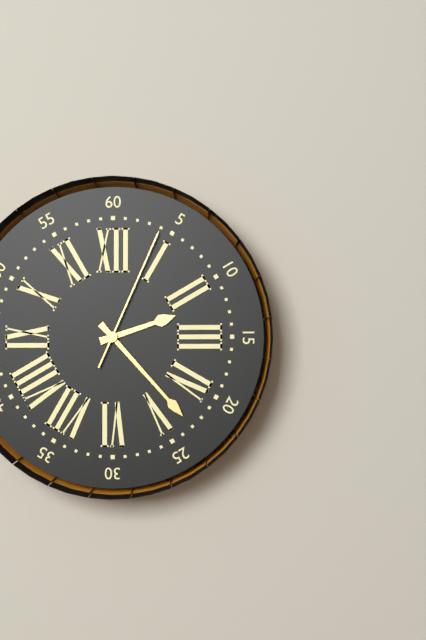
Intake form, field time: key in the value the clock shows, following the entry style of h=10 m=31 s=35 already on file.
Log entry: h=2 m=23 s=4
